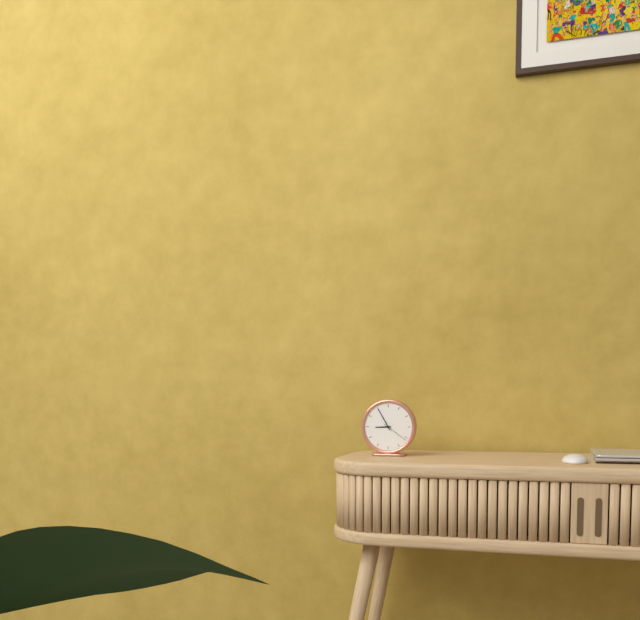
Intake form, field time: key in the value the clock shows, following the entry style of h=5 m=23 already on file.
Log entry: h=8 m=55
